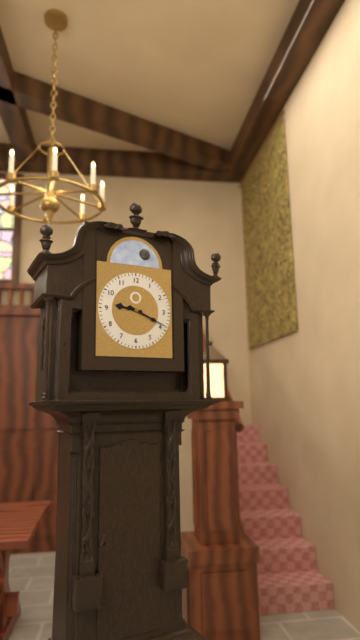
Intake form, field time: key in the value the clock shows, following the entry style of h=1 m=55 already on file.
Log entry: h=9 m=19
